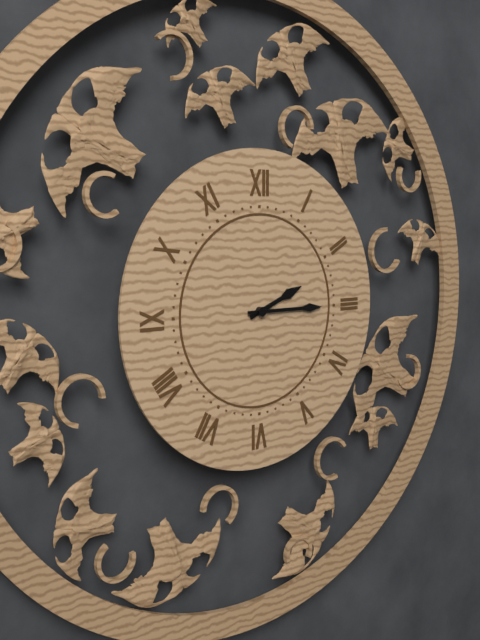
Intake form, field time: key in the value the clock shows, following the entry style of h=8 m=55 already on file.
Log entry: h=2 m=15
